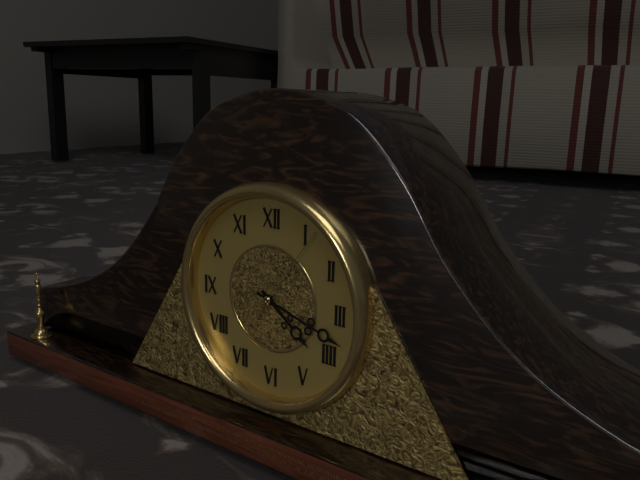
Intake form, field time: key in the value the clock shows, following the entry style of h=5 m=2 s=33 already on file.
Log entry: h=4 m=18 s=6
